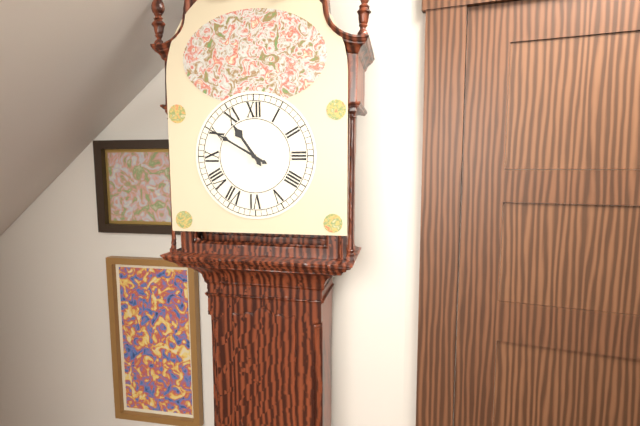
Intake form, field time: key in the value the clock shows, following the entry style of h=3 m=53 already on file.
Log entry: h=10 m=50
